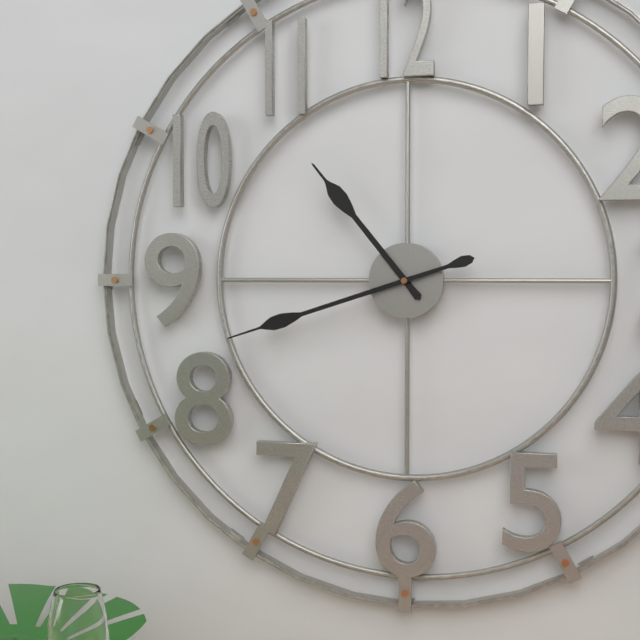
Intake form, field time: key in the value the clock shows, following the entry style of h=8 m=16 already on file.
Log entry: h=10 m=42
